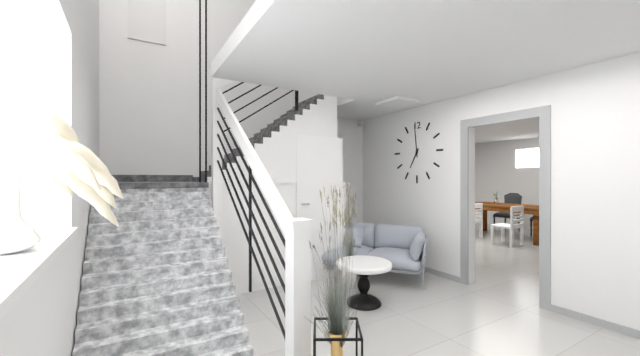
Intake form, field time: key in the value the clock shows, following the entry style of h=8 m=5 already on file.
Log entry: h=6 m=59
